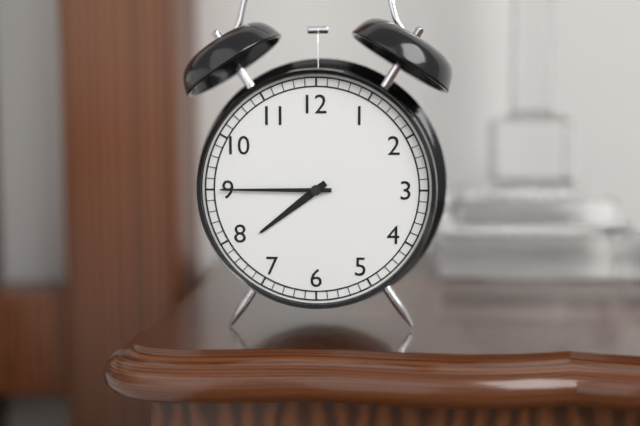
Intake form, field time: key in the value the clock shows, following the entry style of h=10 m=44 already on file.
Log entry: h=7 m=45
